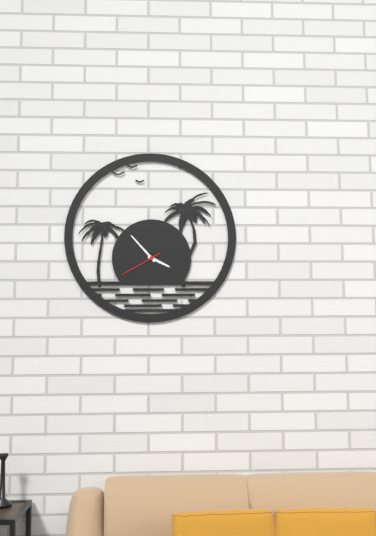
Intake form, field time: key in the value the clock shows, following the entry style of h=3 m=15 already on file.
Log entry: h=3 m=53
